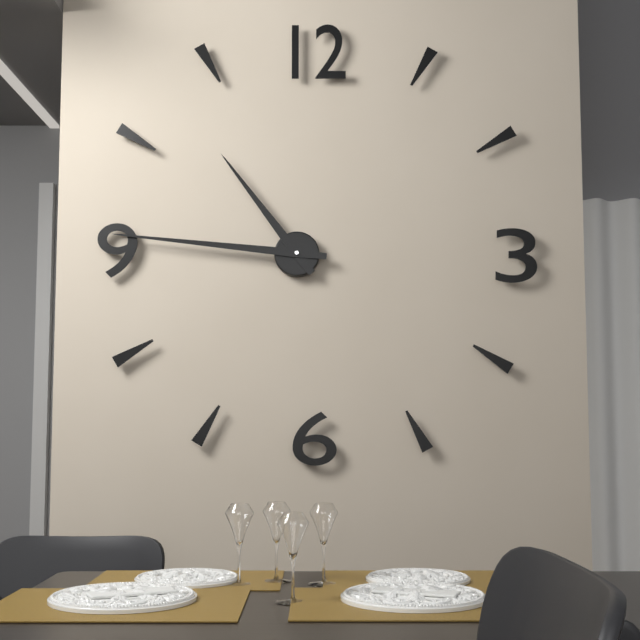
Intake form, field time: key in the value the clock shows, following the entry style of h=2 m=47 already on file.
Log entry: h=10 m=46
